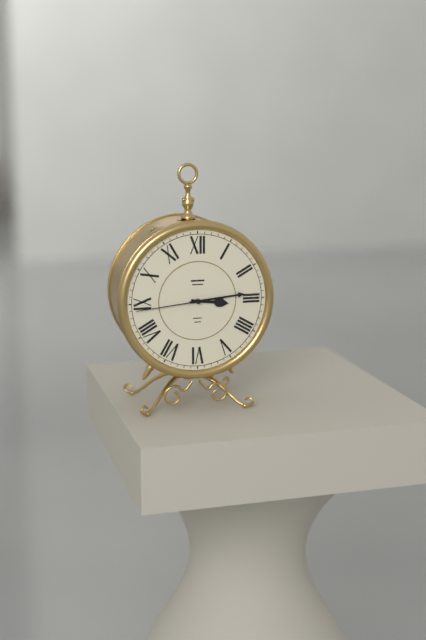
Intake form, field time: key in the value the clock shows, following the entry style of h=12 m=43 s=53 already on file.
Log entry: h=3 m=14 s=44
